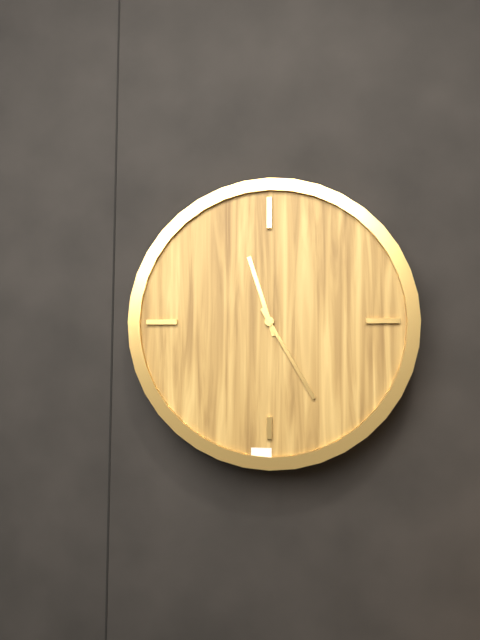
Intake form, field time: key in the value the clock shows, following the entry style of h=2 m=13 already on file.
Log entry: h=11 m=25
